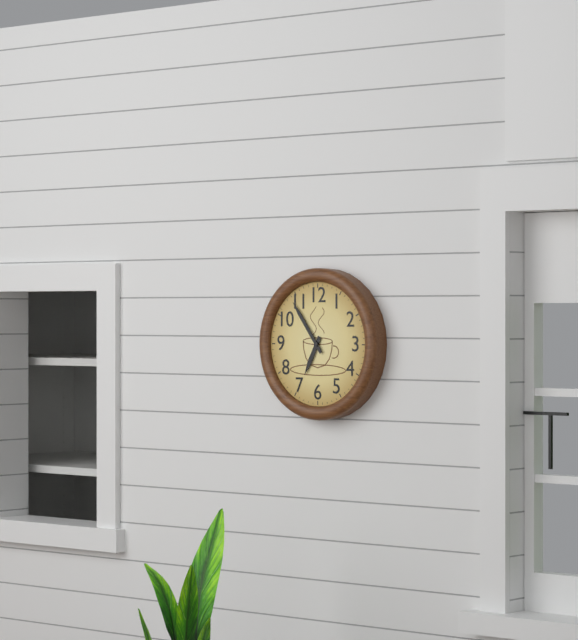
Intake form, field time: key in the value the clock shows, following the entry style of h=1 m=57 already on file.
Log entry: h=6 m=54
